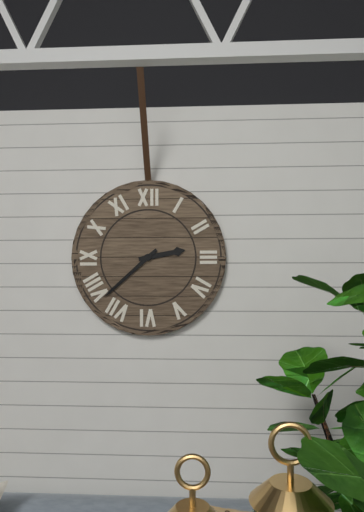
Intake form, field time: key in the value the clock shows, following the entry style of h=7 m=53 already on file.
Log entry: h=2 m=38
